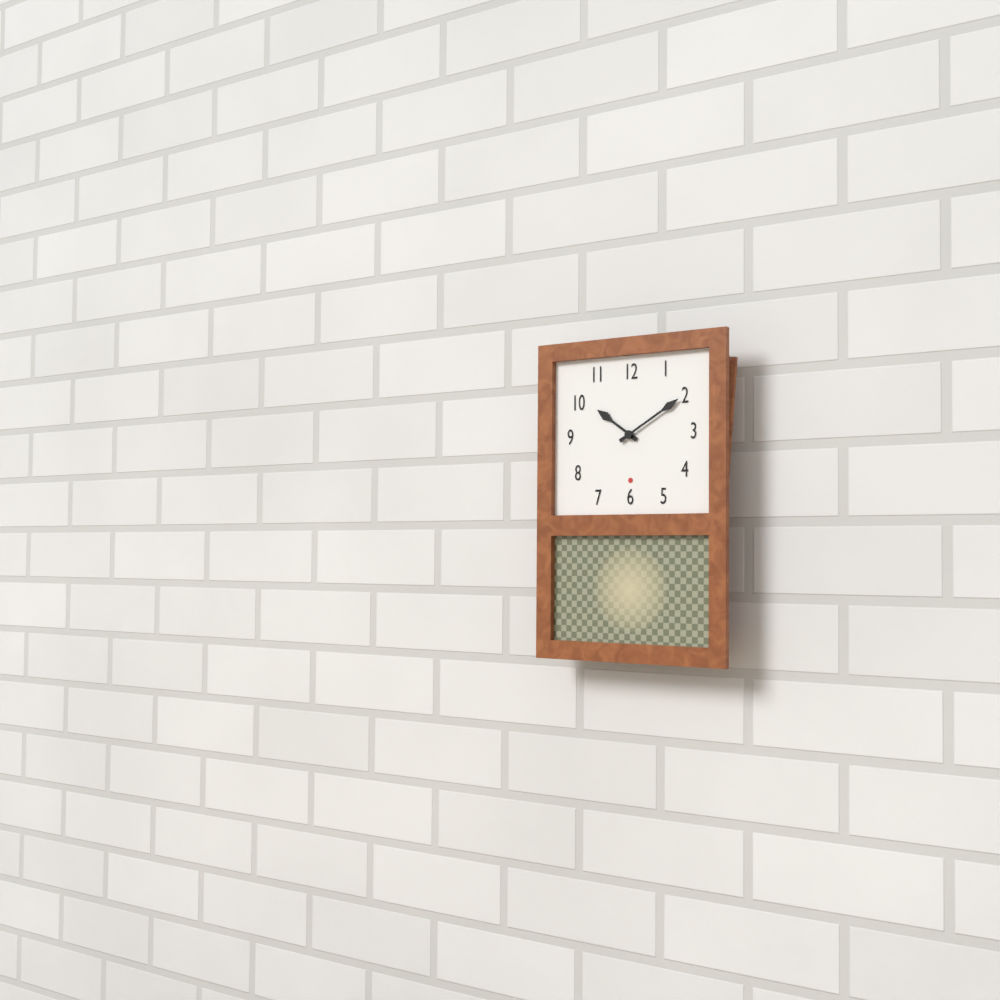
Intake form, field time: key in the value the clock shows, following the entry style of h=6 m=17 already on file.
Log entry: h=10 m=10
